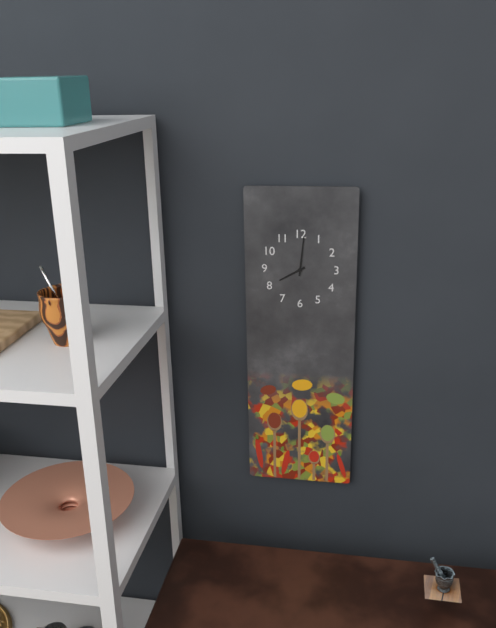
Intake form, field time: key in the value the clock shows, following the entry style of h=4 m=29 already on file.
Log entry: h=8 m=1
